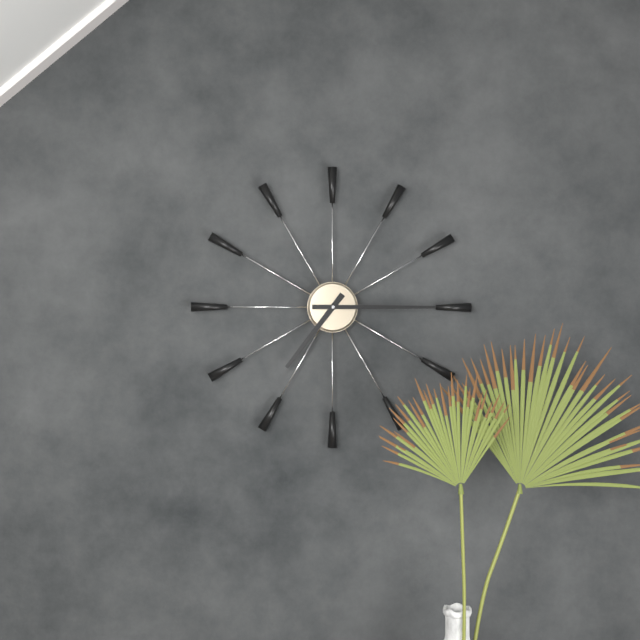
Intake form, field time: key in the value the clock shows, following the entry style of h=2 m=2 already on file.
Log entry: h=7 m=15
